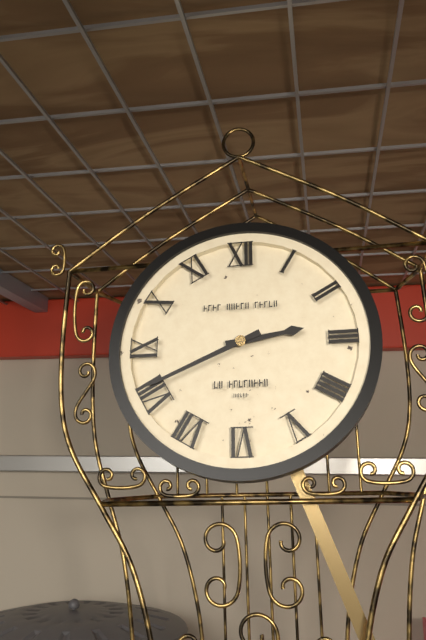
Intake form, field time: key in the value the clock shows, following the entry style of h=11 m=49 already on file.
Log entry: h=2 m=41
